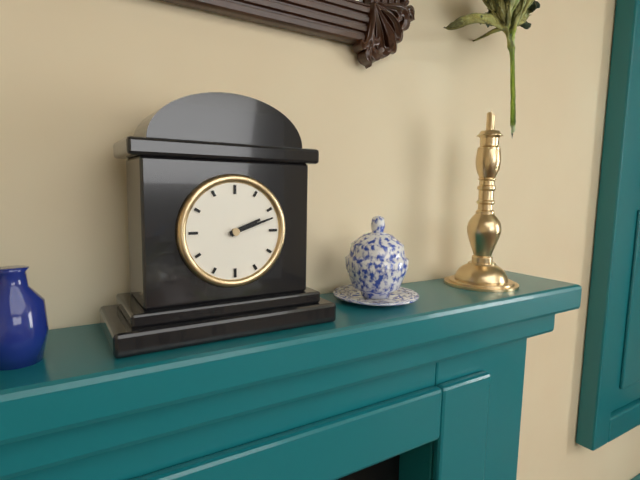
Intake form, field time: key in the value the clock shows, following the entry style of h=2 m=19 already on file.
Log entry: h=2 m=12
